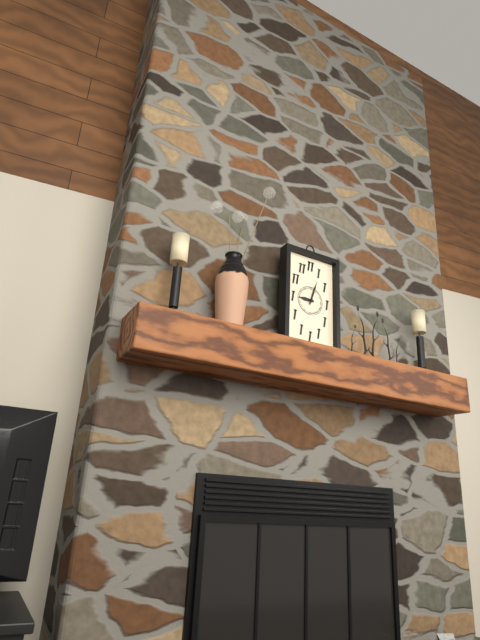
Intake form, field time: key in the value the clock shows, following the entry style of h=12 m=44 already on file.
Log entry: h=9 m=3
